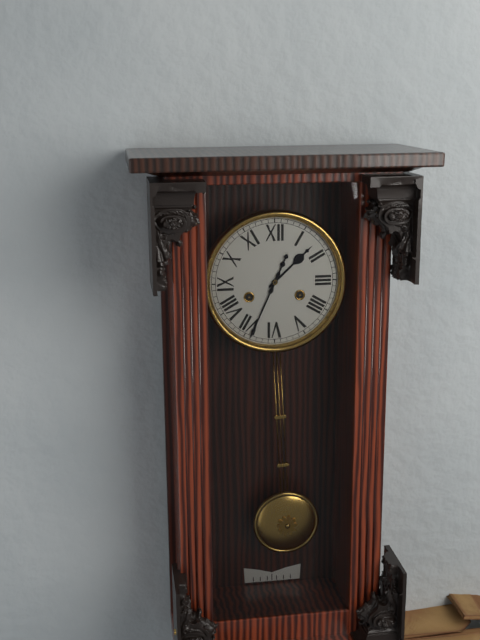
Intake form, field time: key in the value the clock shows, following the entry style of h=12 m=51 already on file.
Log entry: h=1 m=34
